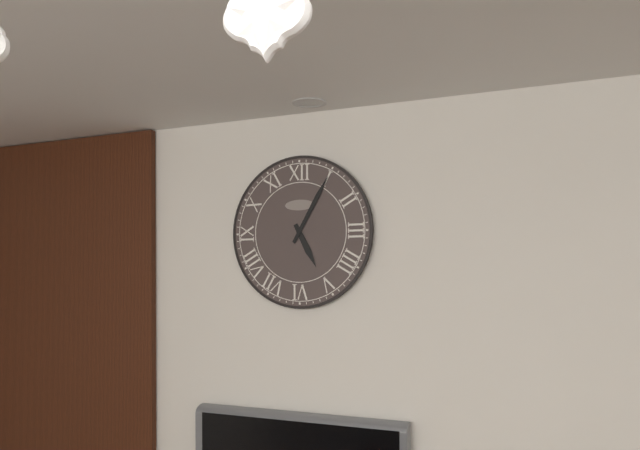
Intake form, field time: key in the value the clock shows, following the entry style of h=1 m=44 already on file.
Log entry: h=5 m=5
